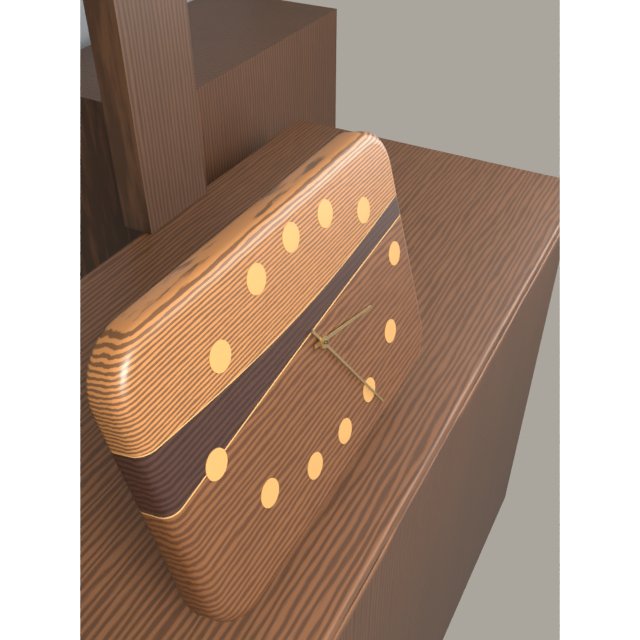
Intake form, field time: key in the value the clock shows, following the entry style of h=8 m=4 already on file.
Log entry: h=3 m=25
